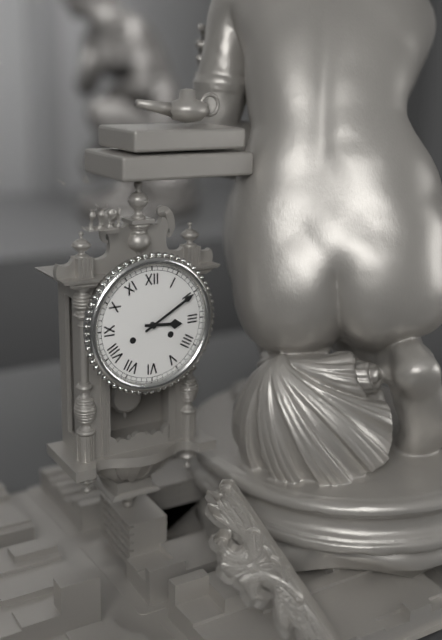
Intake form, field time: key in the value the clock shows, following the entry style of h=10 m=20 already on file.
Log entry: h=3 m=10
